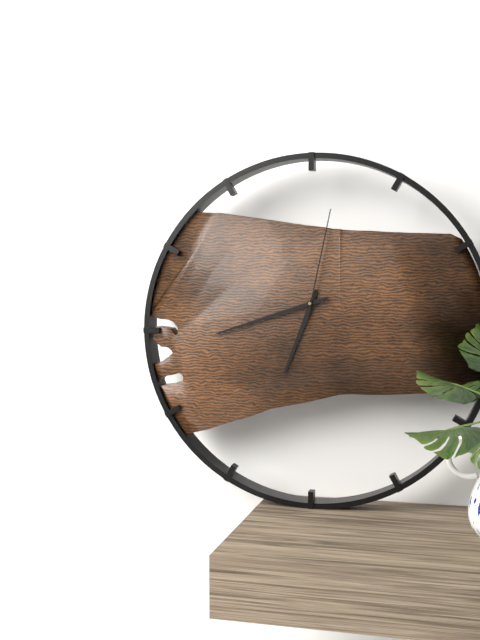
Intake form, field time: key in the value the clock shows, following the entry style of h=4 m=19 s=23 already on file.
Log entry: h=6 m=42 s=2
